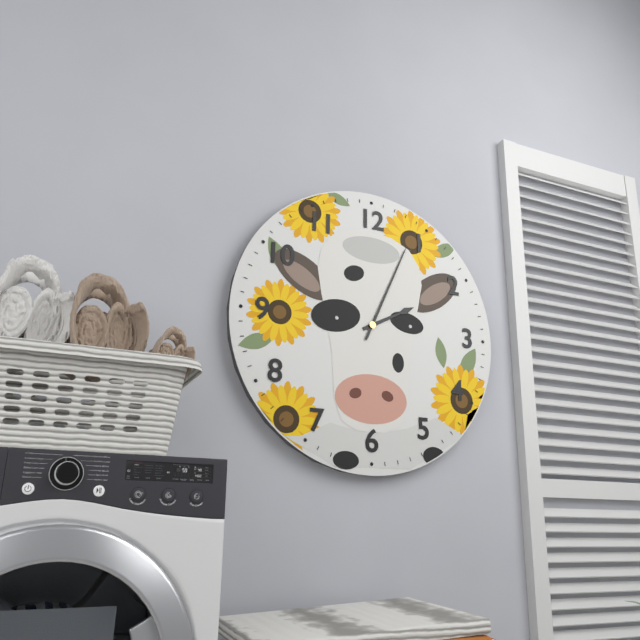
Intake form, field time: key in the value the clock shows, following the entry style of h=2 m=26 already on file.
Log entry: h=2 m=4
